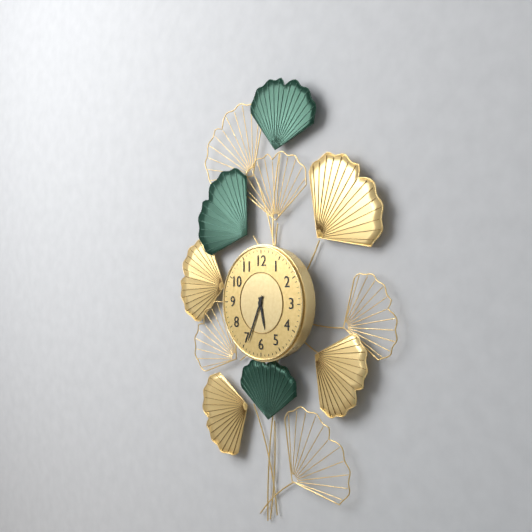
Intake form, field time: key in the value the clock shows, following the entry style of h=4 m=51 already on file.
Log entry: h=5 m=34
